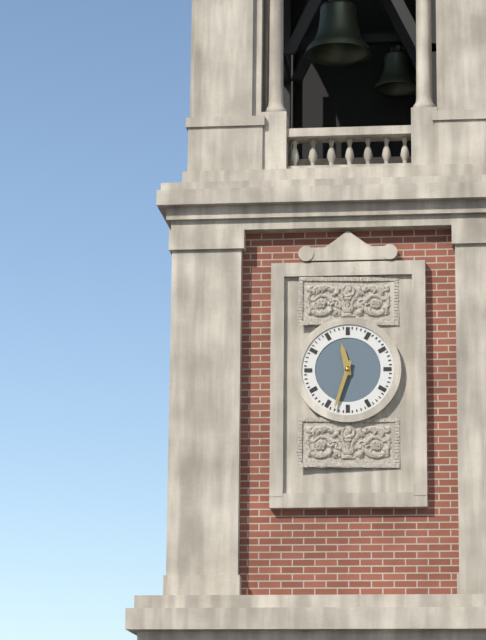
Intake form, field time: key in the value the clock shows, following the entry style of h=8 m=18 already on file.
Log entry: h=11 m=33
